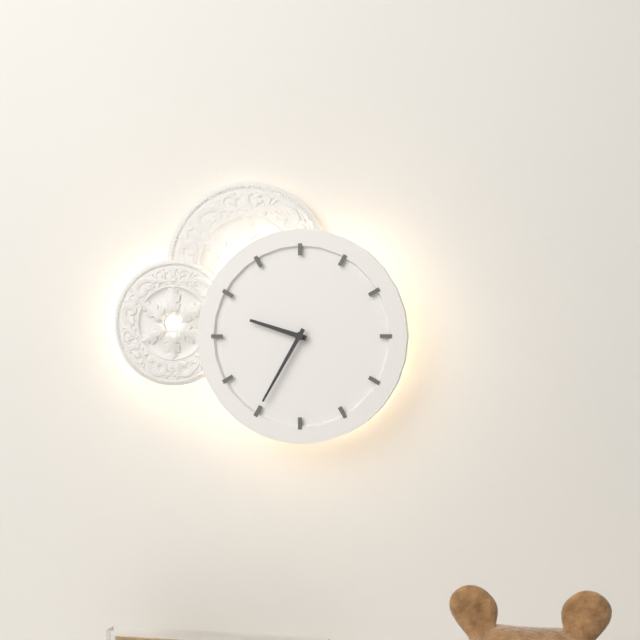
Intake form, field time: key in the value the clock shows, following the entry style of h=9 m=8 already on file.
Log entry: h=9 m=35
